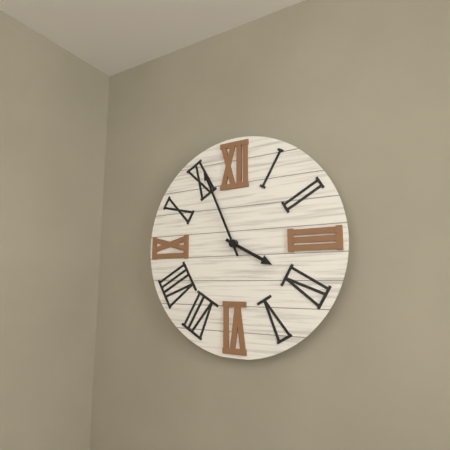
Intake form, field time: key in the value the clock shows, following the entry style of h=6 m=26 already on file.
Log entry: h=3 m=56
